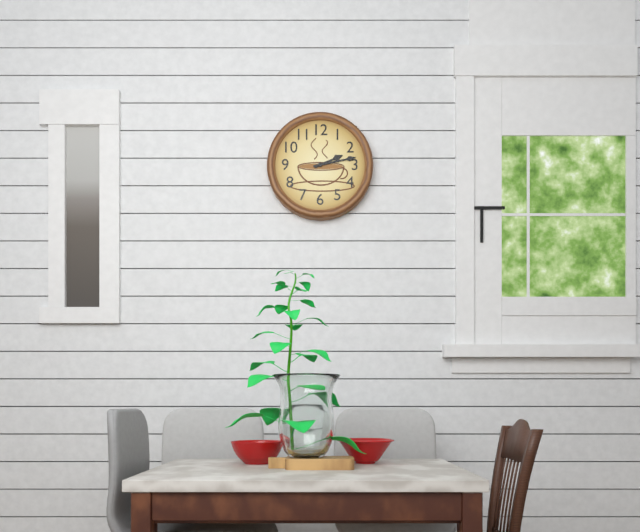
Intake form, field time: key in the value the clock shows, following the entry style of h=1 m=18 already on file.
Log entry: h=2 m=13
